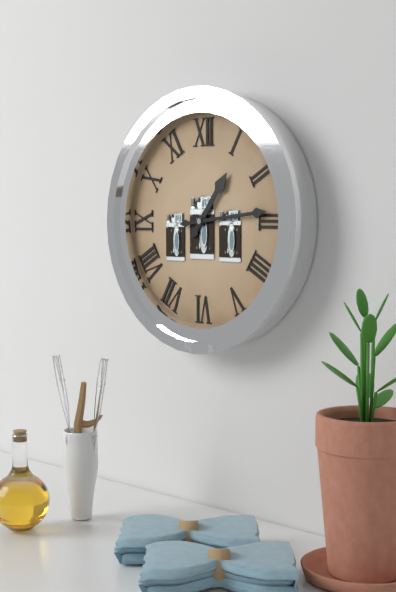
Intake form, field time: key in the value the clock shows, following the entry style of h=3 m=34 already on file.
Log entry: h=1 m=14
